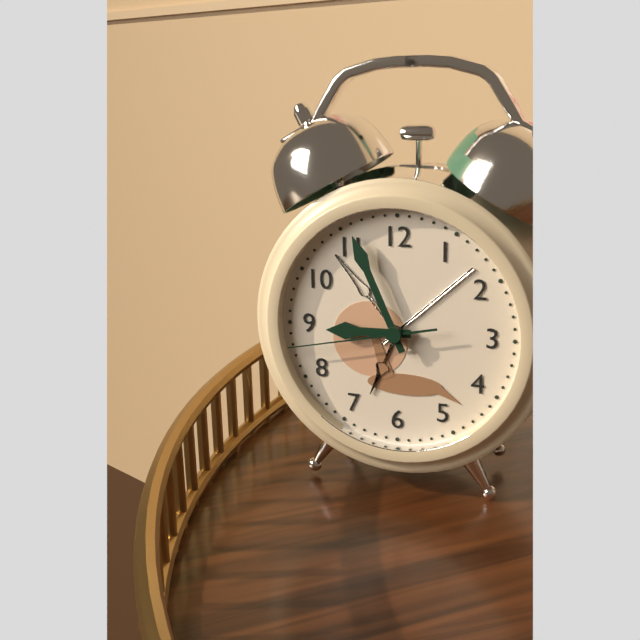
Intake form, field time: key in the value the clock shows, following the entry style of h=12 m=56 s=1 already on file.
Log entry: h=8 m=56 s=43
